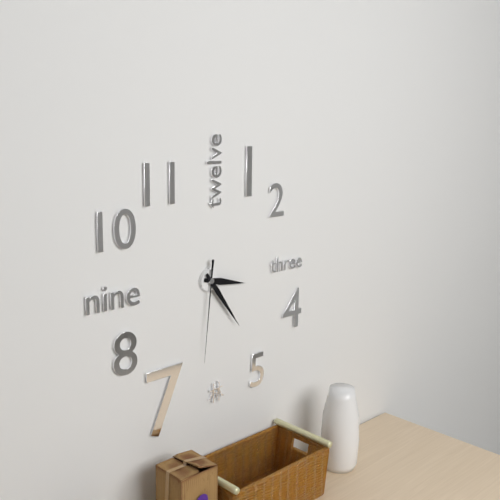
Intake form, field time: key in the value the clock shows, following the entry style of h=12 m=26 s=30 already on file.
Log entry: h=3 m=24 s=31
